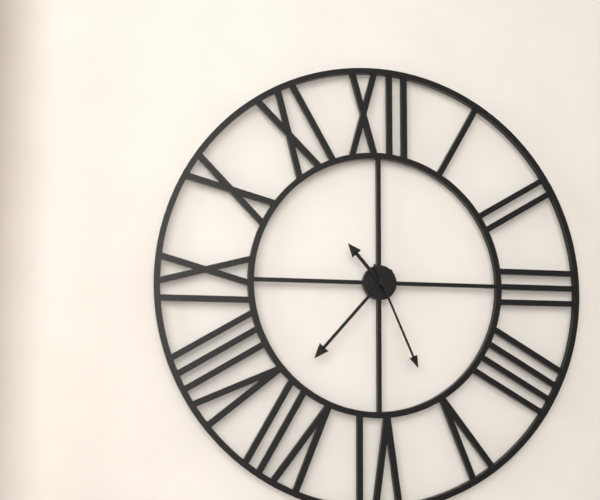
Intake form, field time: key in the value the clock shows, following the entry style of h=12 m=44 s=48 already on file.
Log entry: h=10 m=37 s=26
